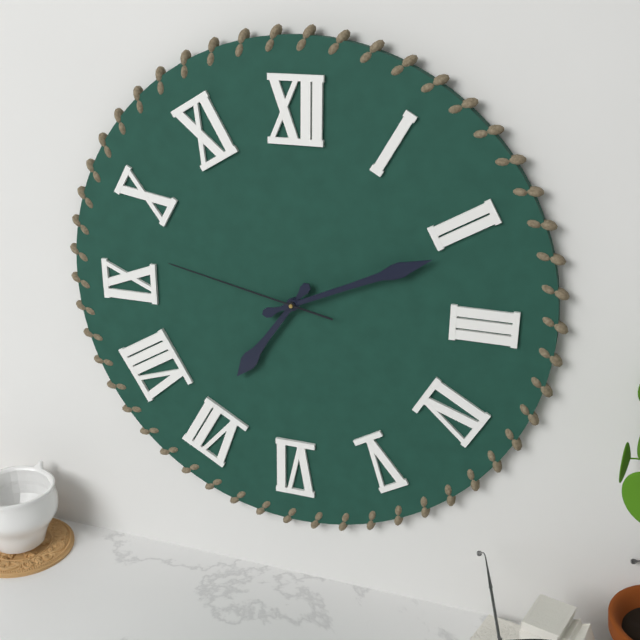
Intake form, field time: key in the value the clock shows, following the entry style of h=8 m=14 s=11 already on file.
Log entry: h=7 m=11 s=47
